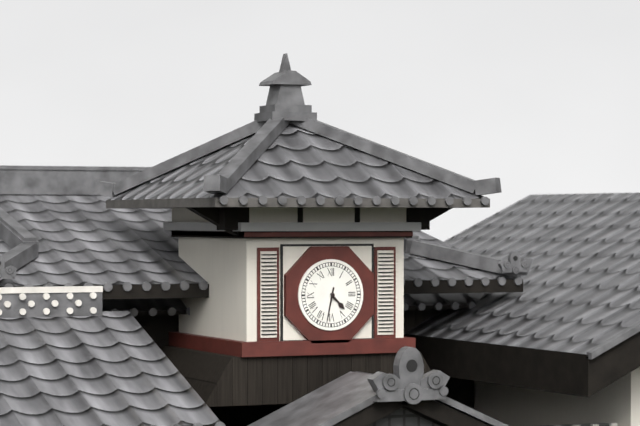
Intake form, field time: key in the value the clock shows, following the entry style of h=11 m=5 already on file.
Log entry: h=4 m=32
